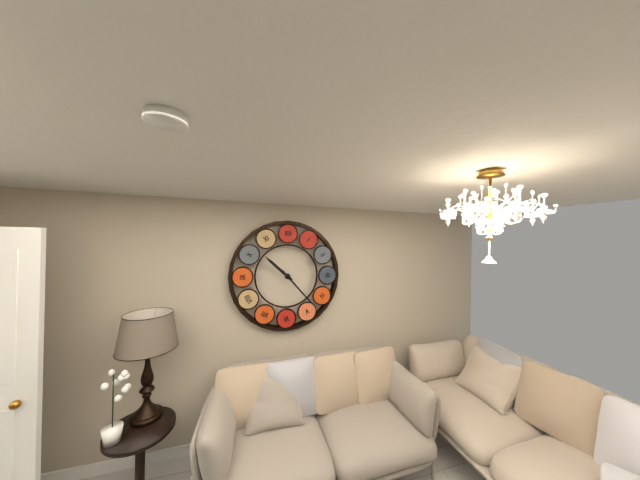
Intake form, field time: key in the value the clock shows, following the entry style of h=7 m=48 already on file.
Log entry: h=10 m=23
